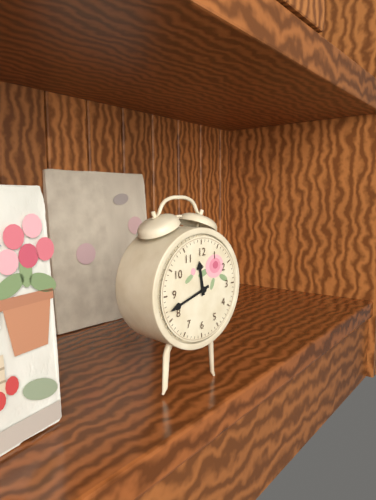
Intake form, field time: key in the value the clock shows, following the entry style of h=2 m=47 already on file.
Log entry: h=11 m=42
